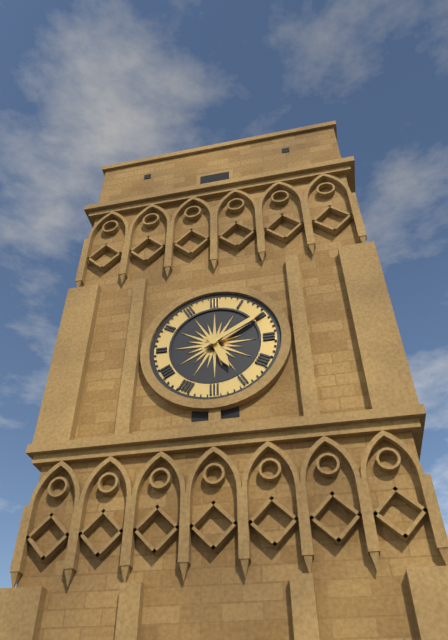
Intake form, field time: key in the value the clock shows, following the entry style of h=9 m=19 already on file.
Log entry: h=5 m=10
